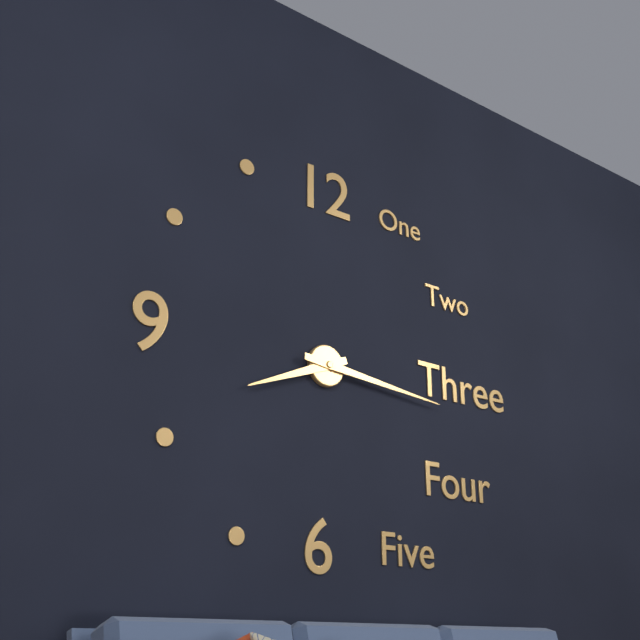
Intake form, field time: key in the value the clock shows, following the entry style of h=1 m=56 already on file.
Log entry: h=8 m=16
